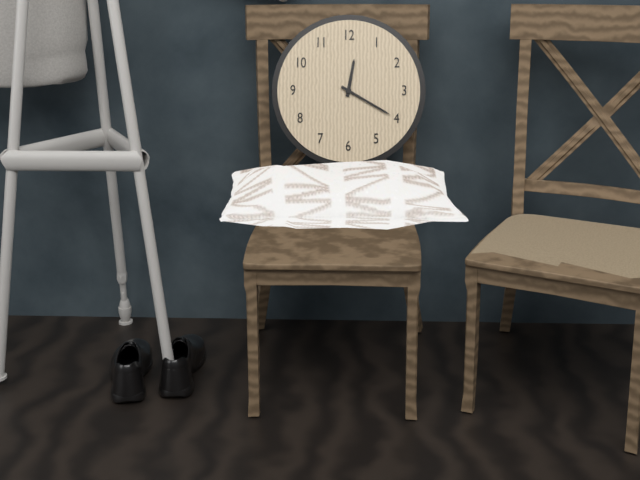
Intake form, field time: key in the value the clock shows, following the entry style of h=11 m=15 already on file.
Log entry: h=12 m=20
